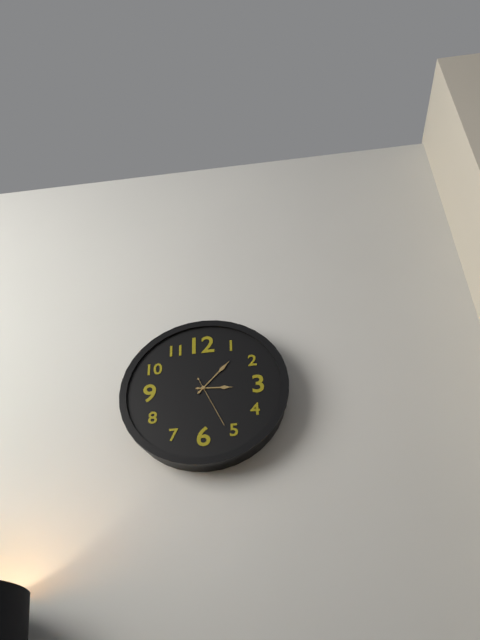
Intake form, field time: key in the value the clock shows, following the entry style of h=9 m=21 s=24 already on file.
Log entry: h=3 m=7 s=26
